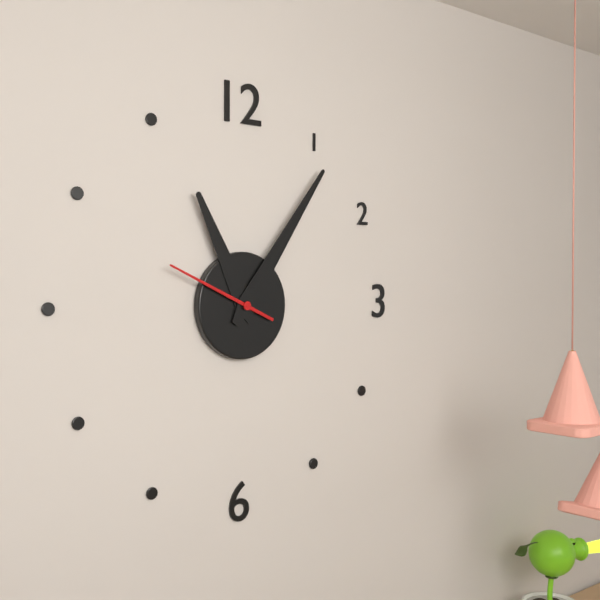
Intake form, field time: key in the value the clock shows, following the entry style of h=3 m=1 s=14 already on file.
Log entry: h=11 m=6 s=49
